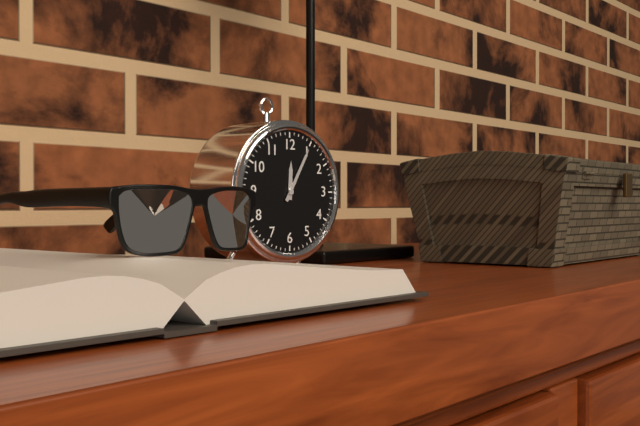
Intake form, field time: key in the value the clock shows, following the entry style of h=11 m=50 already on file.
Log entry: h=12 m=5
